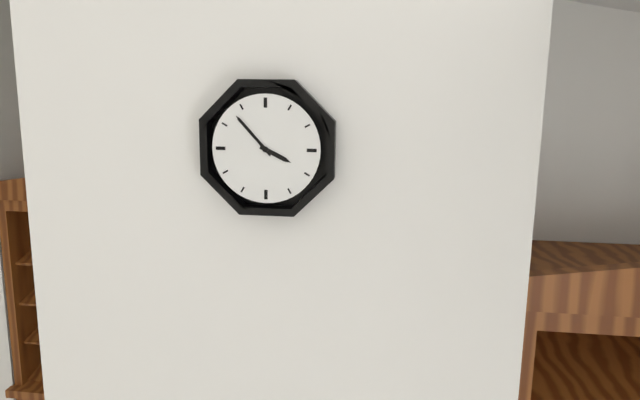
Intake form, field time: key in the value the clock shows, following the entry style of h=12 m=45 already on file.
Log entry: h=3 m=53
